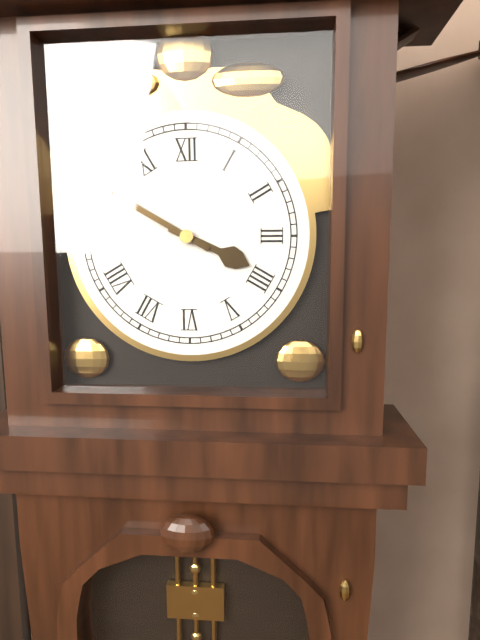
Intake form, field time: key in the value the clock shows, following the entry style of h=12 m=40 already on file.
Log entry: h=3 m=50
